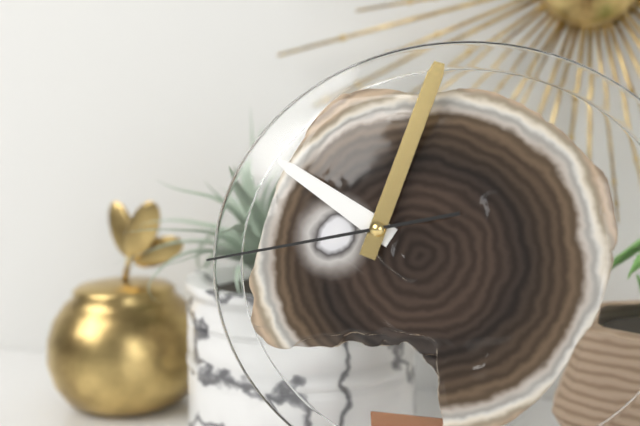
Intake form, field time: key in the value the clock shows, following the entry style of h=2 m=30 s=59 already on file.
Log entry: h=10 m=3 s=43
